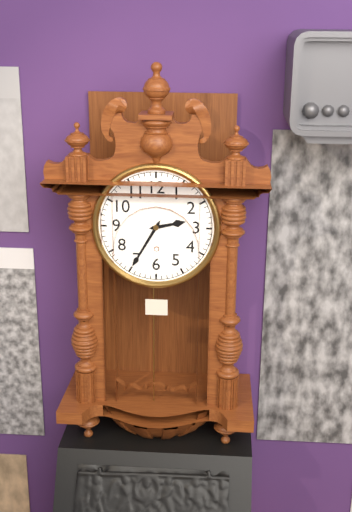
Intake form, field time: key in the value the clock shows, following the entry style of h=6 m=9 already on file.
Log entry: h=2 m=35
